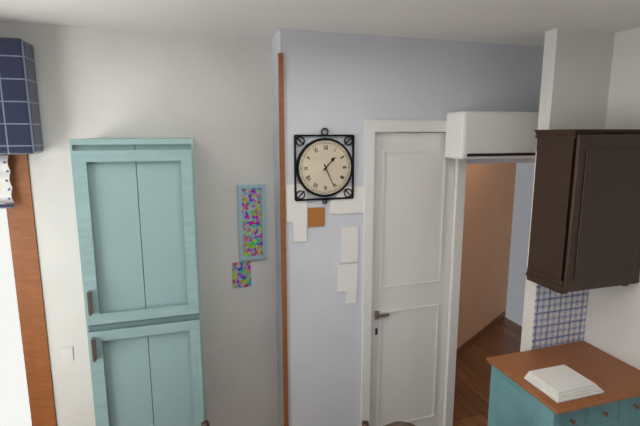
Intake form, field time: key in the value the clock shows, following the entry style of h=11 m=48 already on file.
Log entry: h=1 m=26
